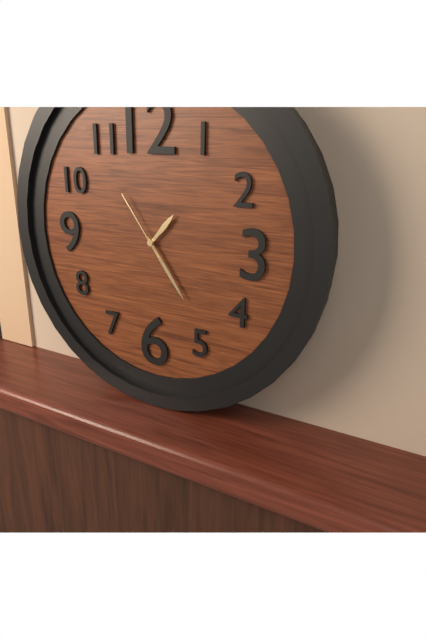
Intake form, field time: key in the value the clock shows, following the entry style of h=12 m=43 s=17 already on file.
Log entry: h=1 m=24 s=54
